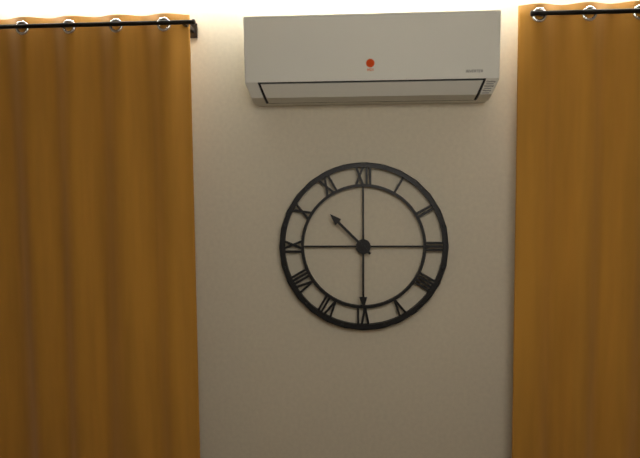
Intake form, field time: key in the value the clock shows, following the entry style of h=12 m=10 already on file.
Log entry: h=10 m=30
